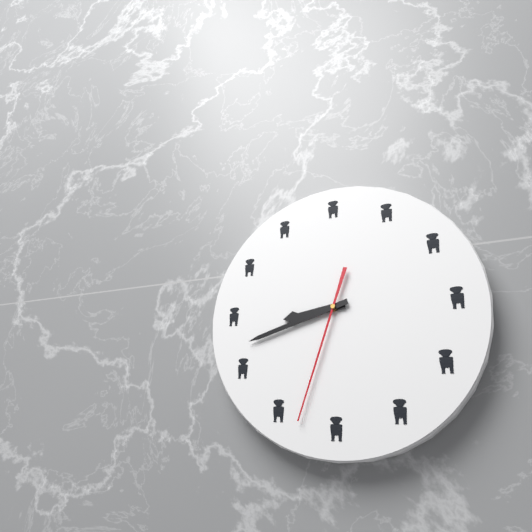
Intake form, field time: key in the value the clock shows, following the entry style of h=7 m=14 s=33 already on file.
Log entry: h=8 m=42 s=33
